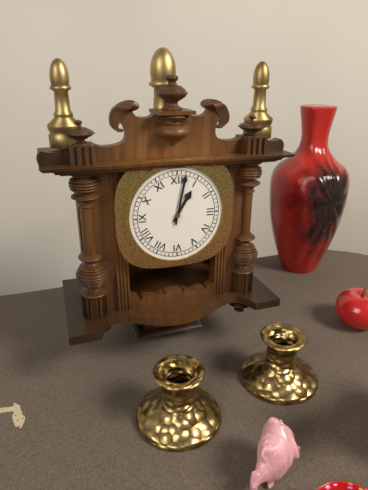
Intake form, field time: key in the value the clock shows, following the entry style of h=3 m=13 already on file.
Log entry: h=1 m=2
